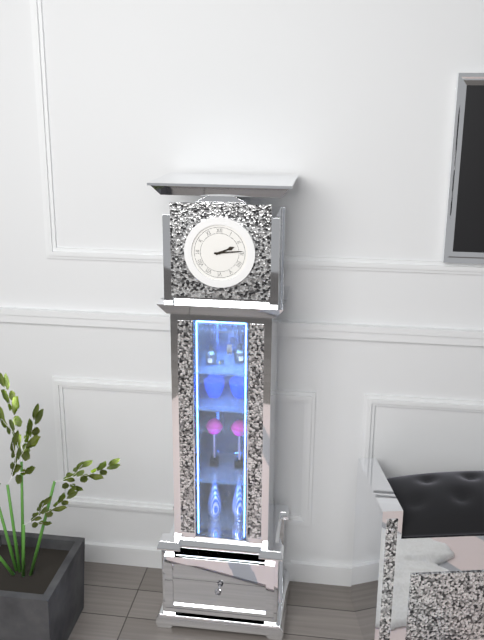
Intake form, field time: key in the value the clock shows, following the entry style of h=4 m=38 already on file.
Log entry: h=2 m=14
